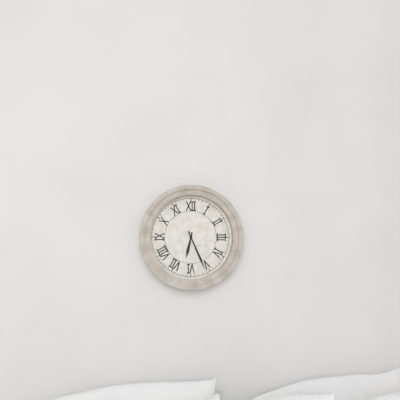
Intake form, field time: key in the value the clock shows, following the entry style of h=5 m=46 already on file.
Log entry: h=6 m=26
